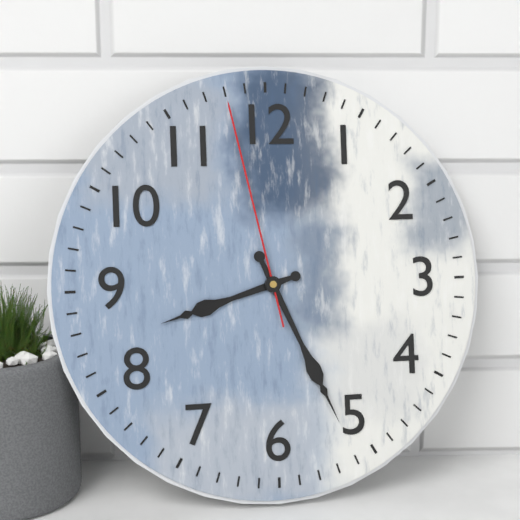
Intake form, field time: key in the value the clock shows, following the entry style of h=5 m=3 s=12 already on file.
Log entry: h=8 m=26 s=58
